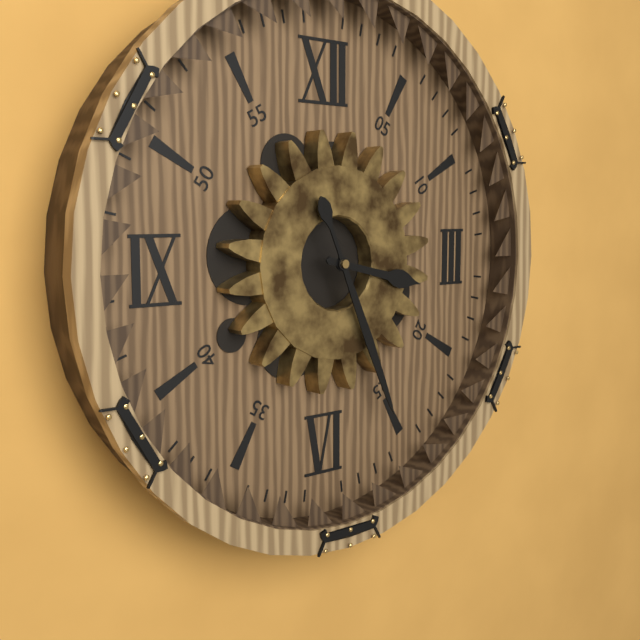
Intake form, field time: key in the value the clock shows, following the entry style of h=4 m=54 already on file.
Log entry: h=3 m=26
